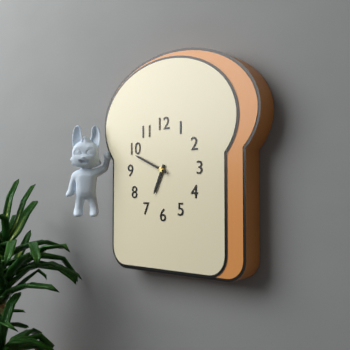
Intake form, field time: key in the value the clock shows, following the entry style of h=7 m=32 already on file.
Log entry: h=6 m=49
